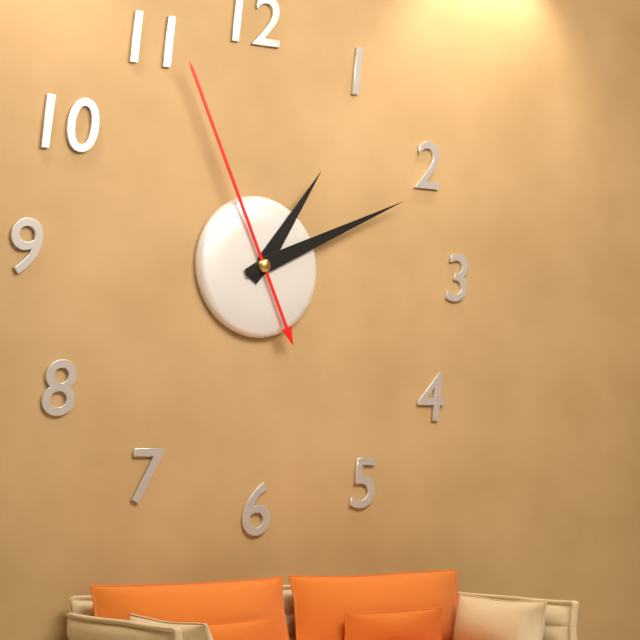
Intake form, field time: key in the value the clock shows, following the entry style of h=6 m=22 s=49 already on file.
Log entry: h=1 m=11 s=56
